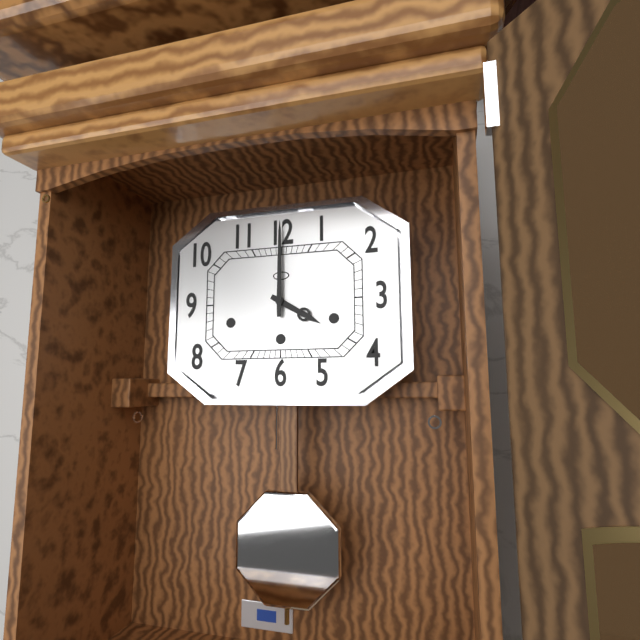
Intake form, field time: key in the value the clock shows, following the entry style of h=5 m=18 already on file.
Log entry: h=4 m=0
